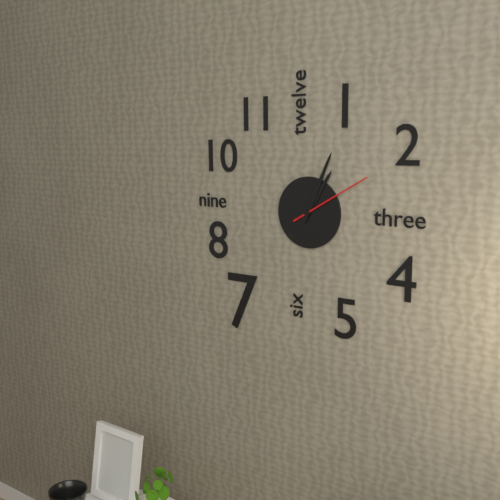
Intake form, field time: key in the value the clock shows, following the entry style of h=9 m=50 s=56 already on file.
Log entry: h=1 m=4 s=10
